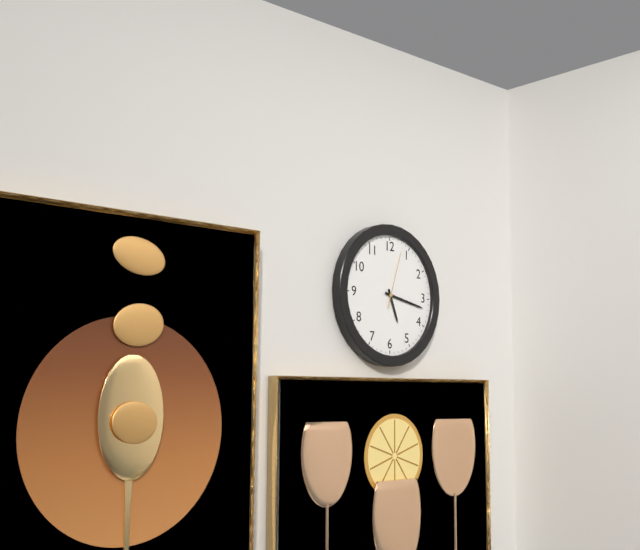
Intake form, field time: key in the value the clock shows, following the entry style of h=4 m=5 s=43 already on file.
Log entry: h=5 m=17 s=3
